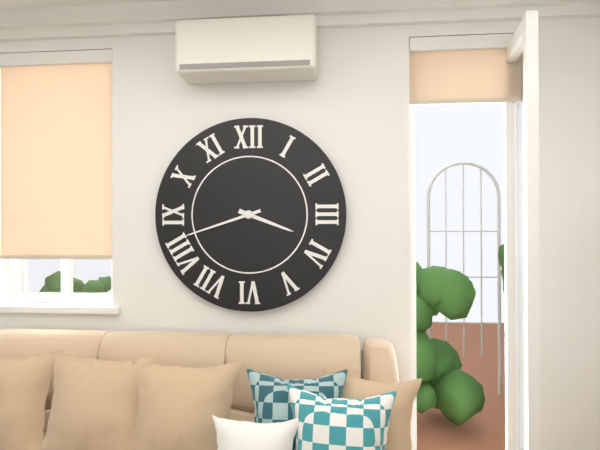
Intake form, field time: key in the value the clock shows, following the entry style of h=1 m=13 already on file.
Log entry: h=3 m=42
